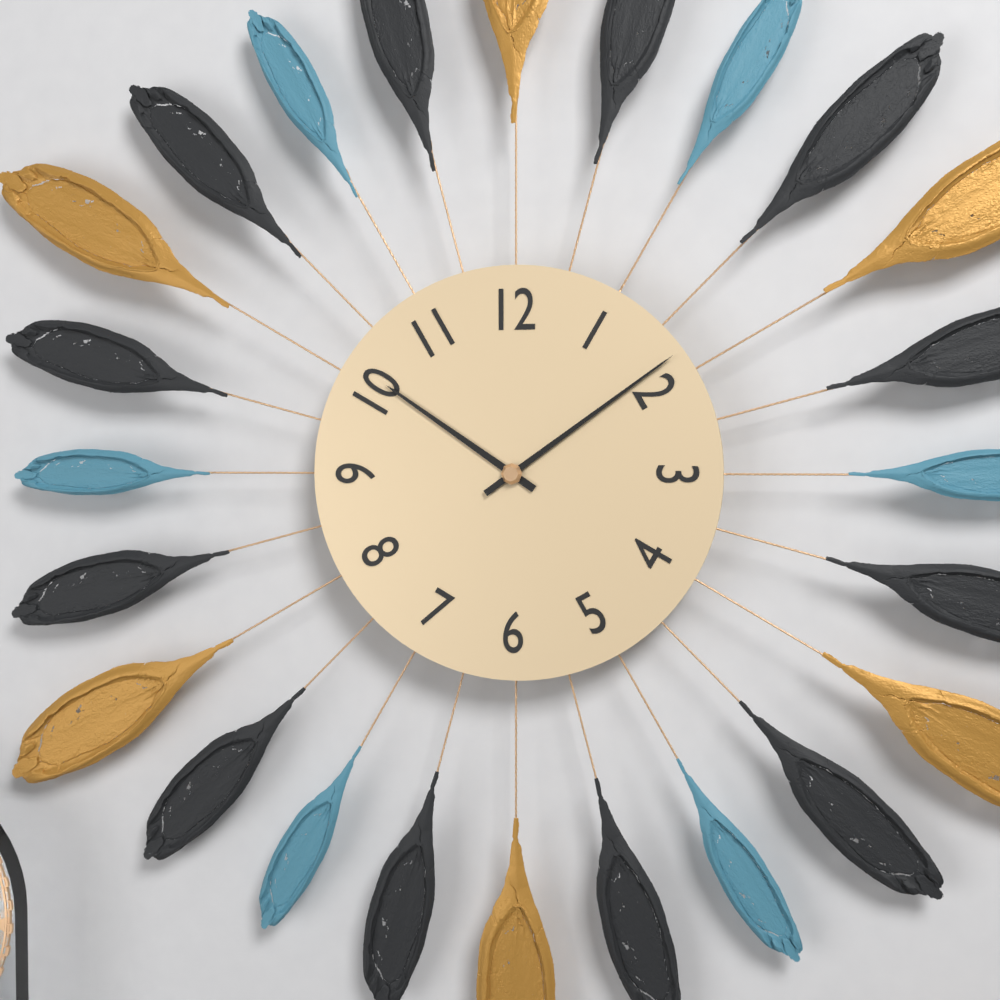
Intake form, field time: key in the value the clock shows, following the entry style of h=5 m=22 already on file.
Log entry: h=10 m=9
